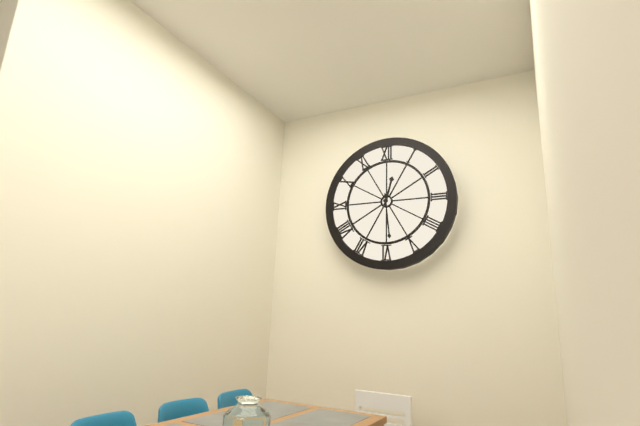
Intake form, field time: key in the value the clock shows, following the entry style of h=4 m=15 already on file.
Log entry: h=12 m=29
